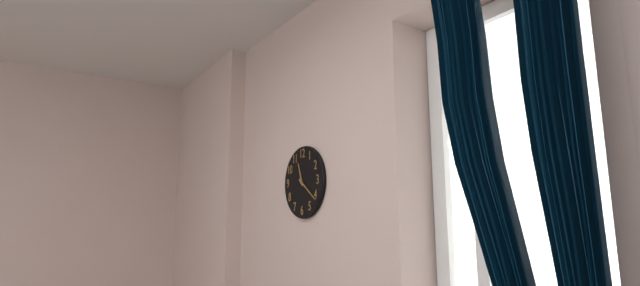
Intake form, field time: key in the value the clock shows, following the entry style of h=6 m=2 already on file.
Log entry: h=11 m=21
